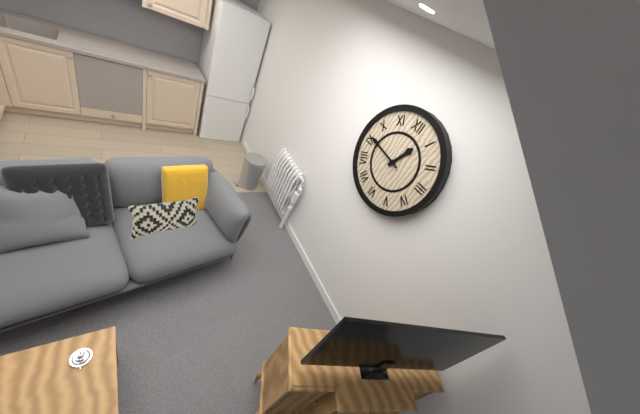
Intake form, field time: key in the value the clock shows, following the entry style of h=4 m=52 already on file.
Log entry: h=12 m=46
